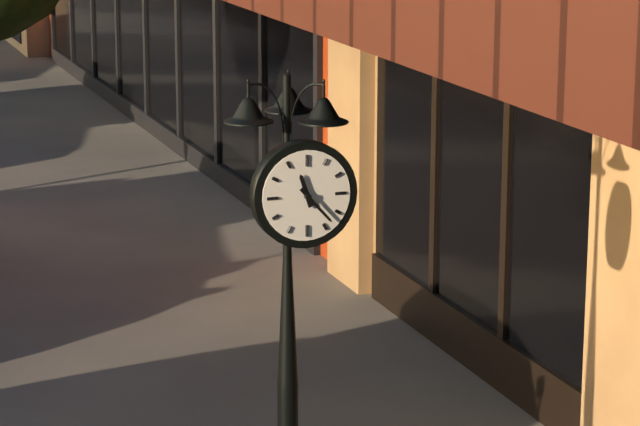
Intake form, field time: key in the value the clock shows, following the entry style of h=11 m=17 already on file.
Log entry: h=11 m=23
